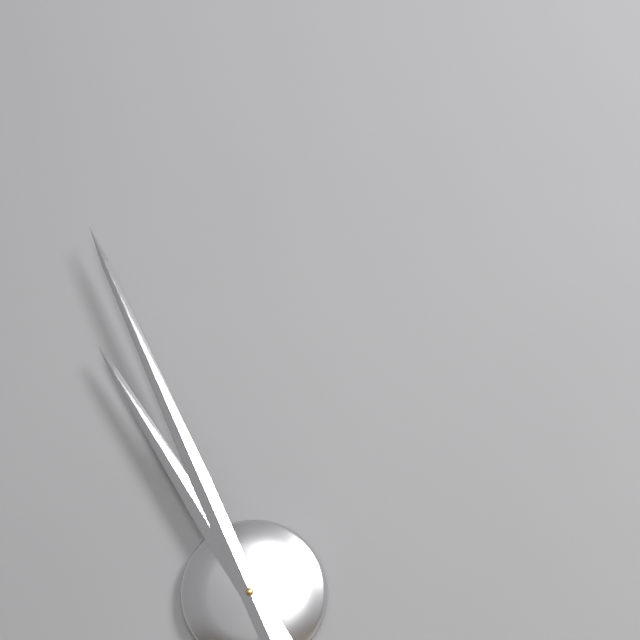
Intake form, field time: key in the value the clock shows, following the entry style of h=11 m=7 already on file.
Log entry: h=10 m=56
